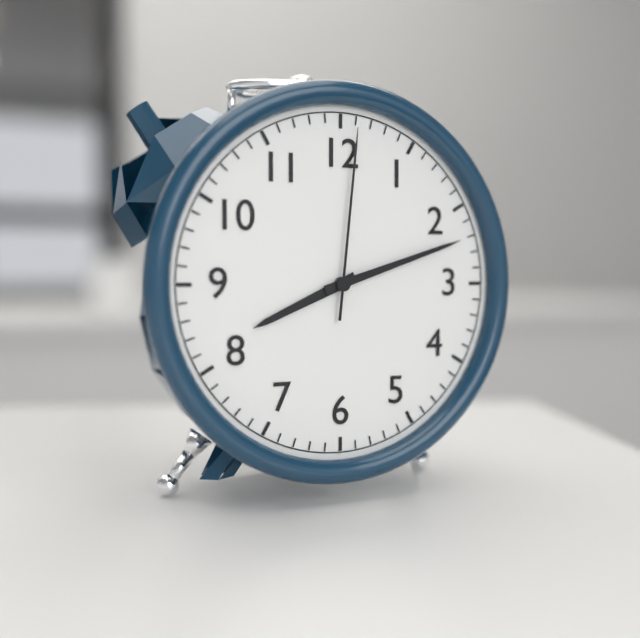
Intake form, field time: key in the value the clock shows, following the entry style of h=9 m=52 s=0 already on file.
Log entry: h=8 m=12 s=1
